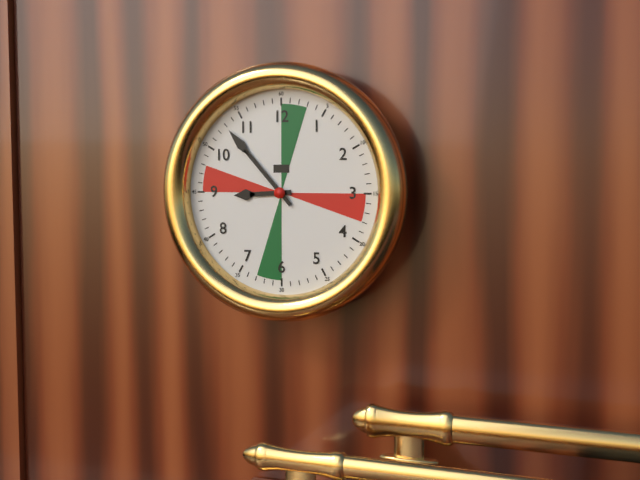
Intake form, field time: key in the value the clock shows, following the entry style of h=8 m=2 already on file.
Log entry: h=8 m=53
